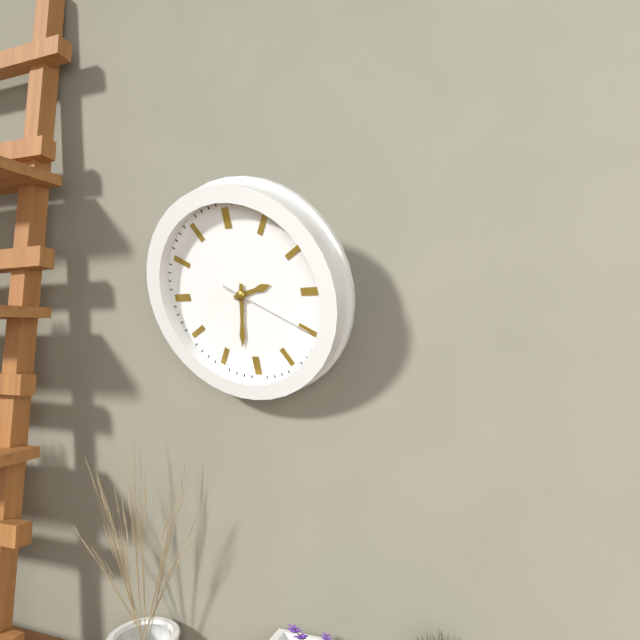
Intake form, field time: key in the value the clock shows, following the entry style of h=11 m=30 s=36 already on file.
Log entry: h=2 m=32 s=20
